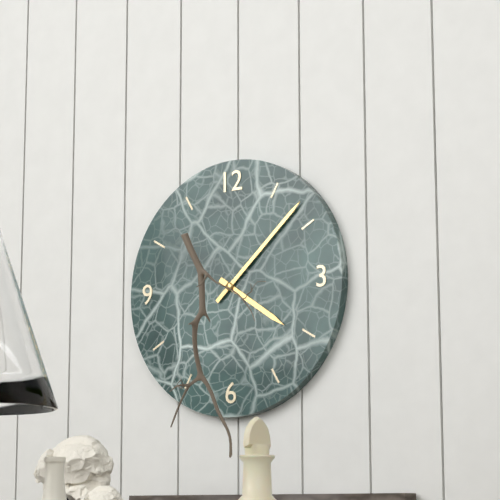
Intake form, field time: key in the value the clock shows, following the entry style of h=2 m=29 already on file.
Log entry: h=4 m=8
